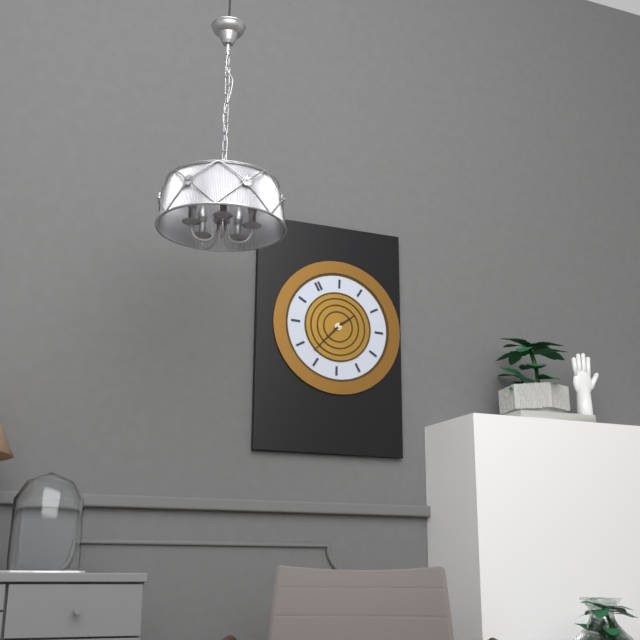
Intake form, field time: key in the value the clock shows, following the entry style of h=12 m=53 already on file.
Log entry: h=2 m=42
